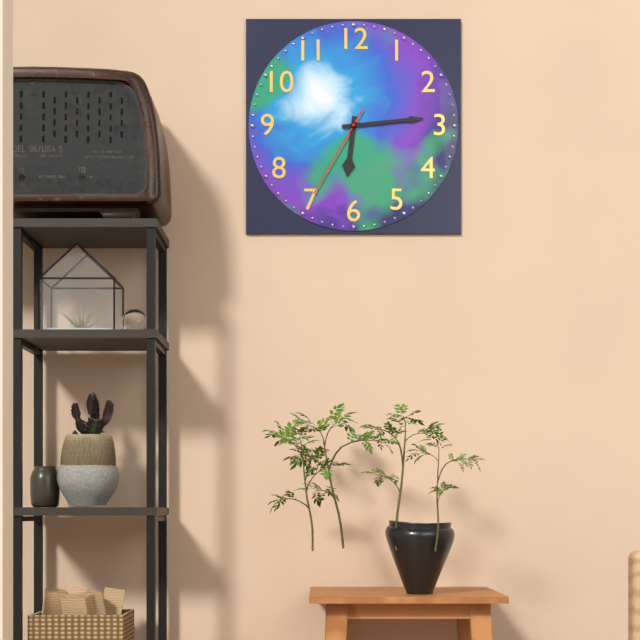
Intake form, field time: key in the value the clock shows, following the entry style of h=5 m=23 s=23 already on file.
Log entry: h=6 m=14 s=35
